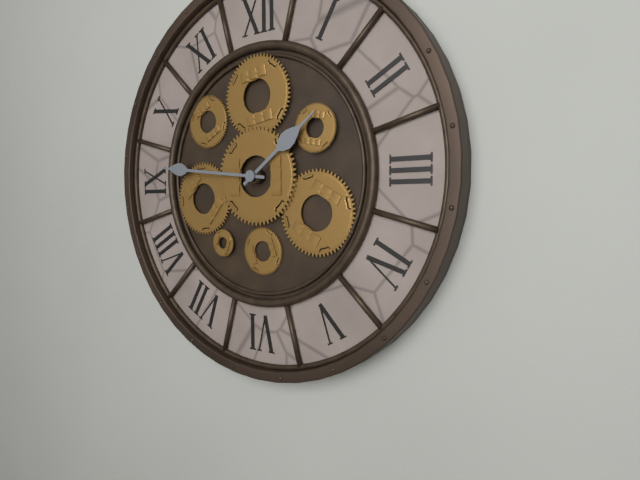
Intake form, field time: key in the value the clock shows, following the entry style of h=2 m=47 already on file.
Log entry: h=1 m=46
